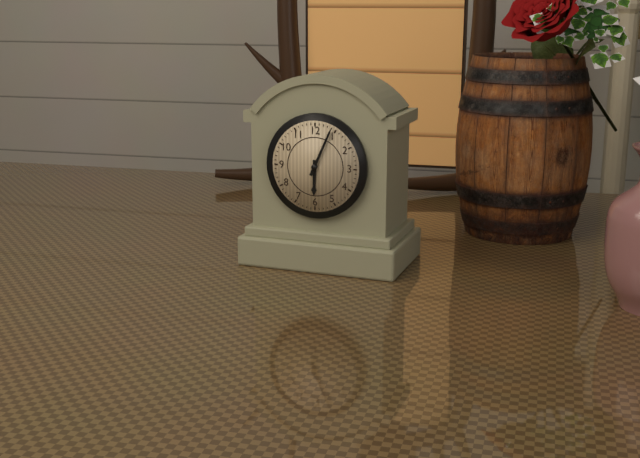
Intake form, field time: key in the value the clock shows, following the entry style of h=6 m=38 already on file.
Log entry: h=6 m=4
